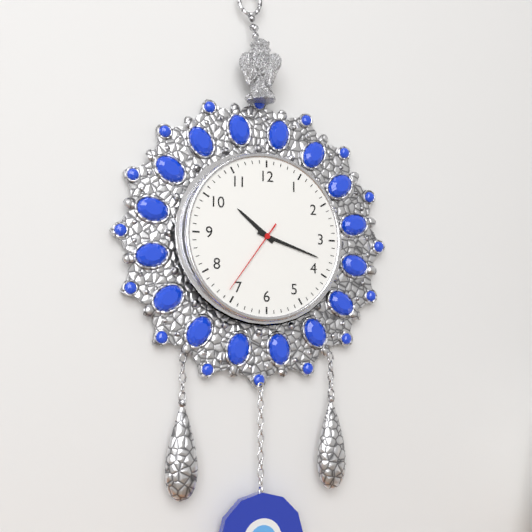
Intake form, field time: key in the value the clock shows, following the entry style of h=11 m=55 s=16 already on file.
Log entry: h=10 m=18 s=36
